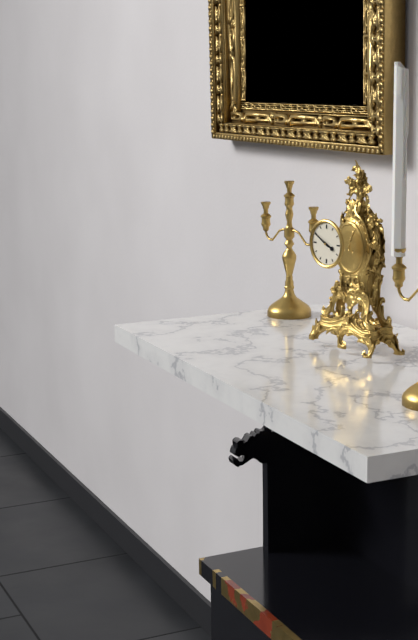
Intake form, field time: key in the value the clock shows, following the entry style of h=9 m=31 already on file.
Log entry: h=3 m=50
